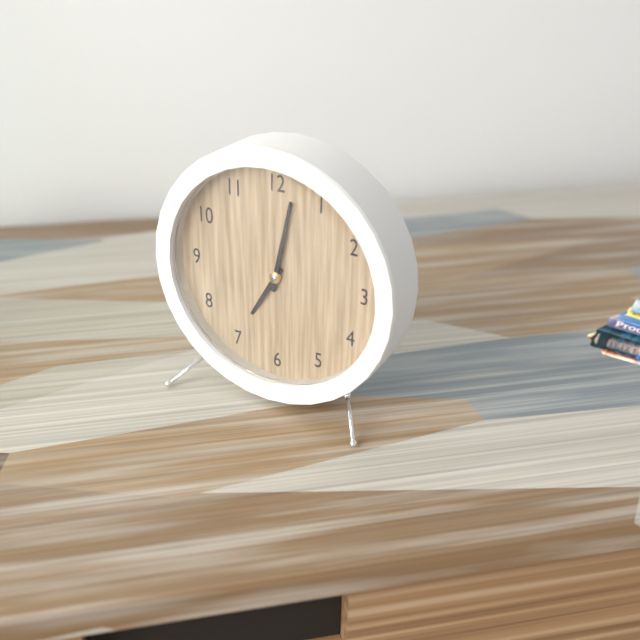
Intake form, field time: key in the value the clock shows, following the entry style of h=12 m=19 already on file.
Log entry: h=7 m=2
